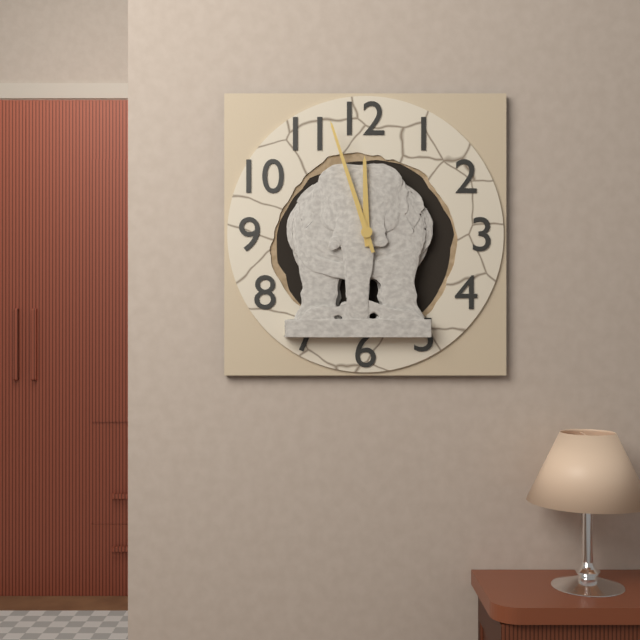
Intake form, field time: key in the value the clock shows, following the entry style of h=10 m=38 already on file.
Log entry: h=11 m=57
